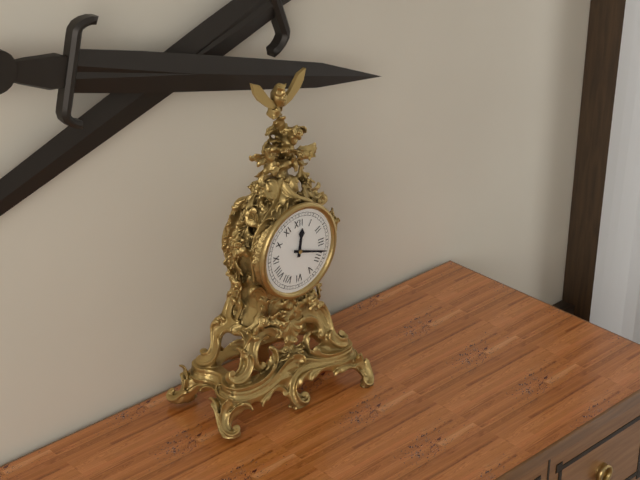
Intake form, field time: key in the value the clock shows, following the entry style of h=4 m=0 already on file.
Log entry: h=12 m=18
